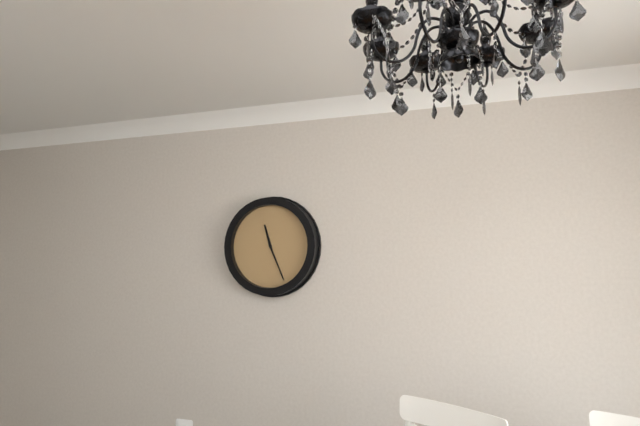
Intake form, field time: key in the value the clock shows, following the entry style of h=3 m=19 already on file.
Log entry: h=11 m=26
